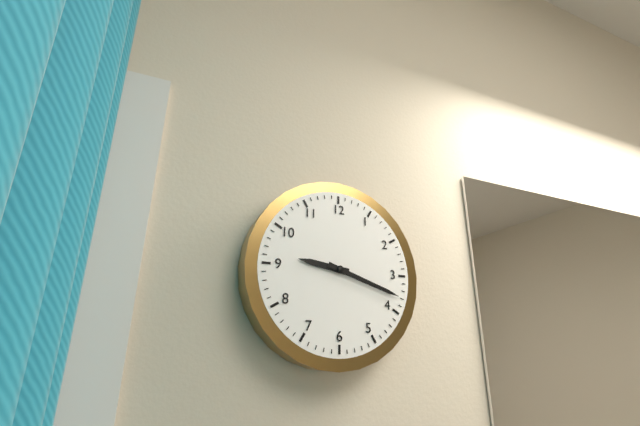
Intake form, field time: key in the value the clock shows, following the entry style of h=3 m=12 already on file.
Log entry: h=9 m=18
